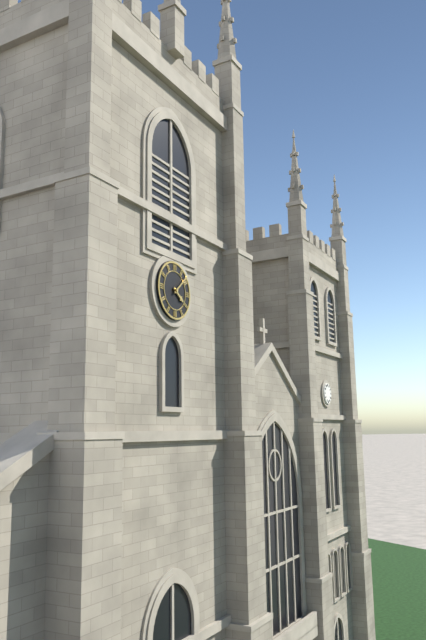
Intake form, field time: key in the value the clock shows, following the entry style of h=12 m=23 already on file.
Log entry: h=4 m=8
